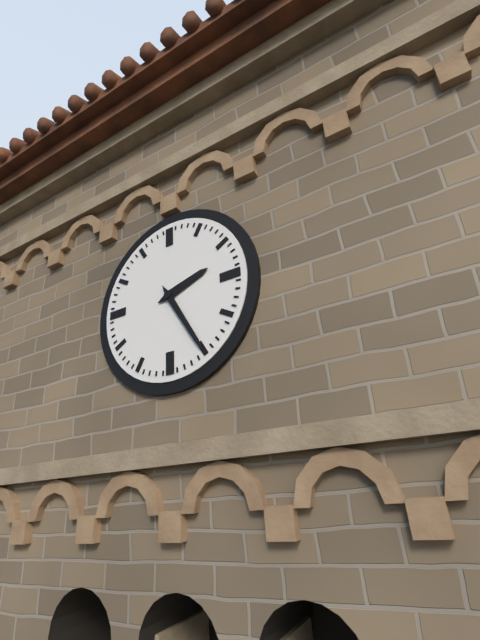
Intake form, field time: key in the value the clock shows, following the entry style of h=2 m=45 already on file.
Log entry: h=2 m=25
